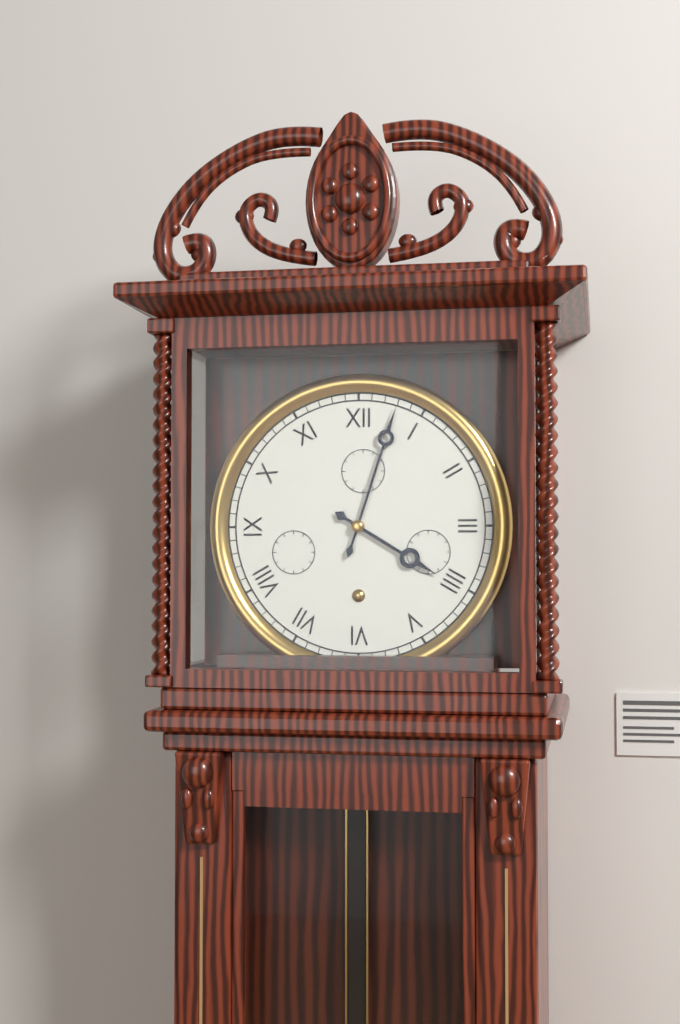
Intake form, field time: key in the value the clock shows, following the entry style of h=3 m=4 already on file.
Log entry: h=4 m=3
